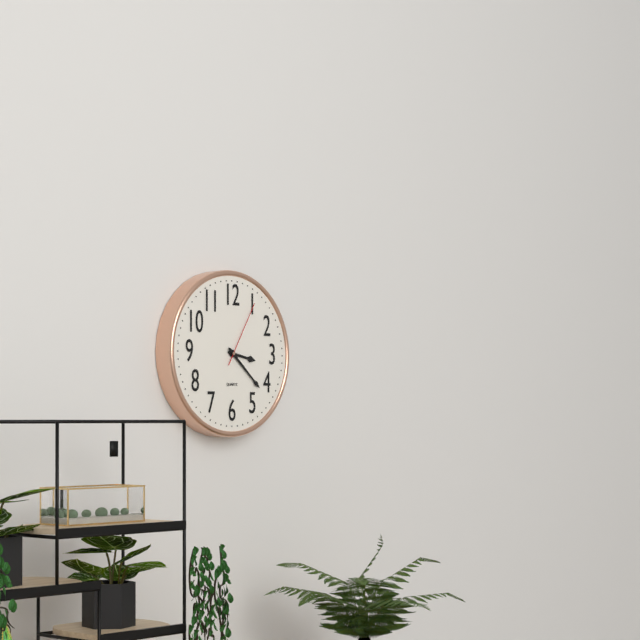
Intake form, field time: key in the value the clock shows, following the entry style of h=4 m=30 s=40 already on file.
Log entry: h=3 m=22 s=5
